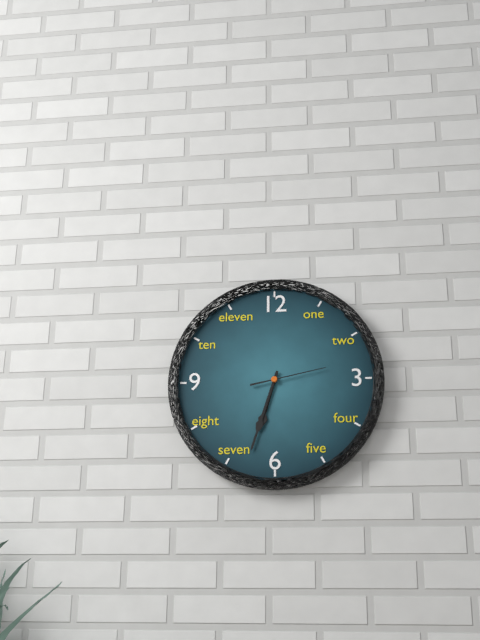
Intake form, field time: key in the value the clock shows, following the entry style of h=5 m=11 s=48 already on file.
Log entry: h=6 m=33 s=13
